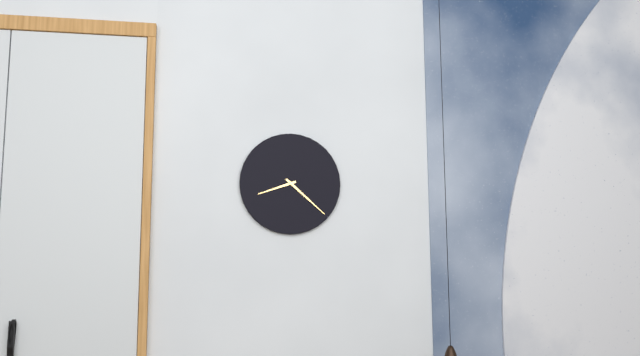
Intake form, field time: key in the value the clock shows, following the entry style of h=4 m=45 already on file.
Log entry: h=8 m=22
